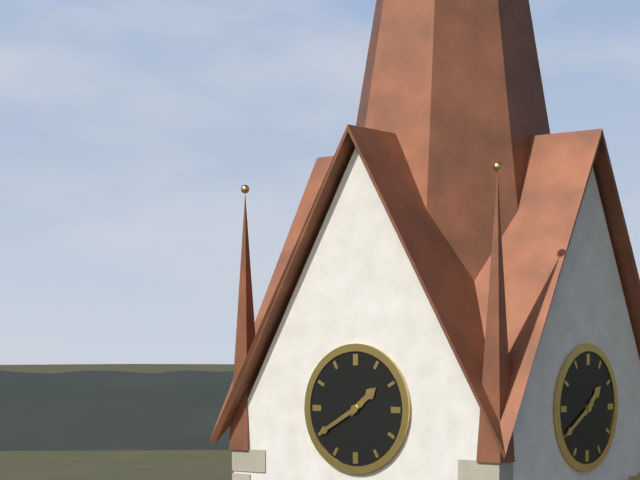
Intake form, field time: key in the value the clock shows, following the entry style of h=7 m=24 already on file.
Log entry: h=1 m=40
